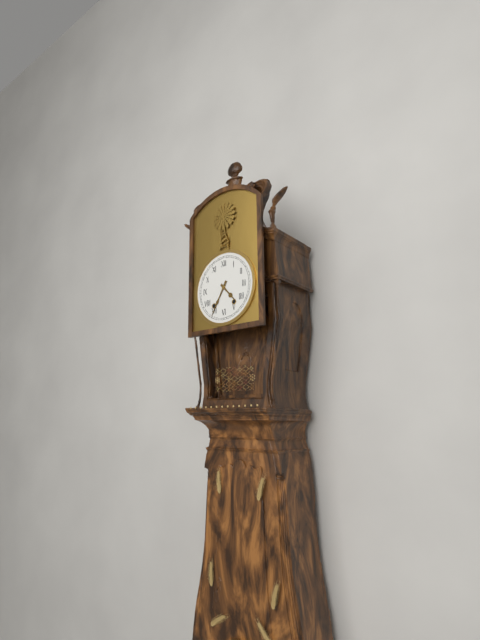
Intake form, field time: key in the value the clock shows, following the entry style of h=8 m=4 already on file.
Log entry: h=4 m=35
